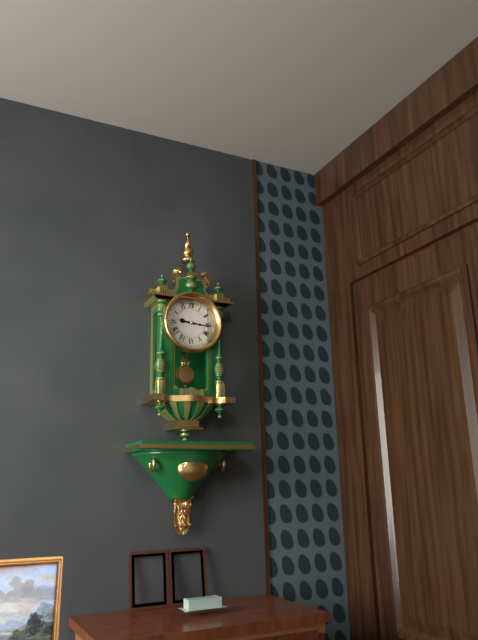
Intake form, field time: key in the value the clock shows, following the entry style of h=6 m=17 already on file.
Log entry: h=9 m=16
